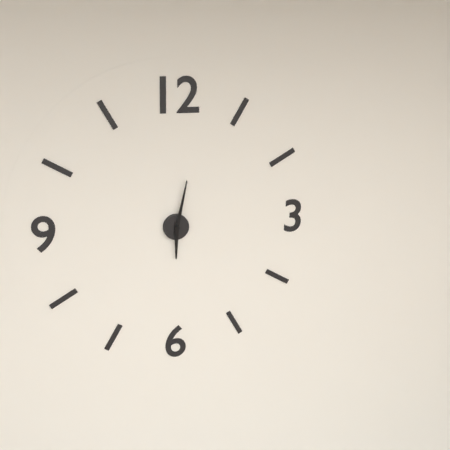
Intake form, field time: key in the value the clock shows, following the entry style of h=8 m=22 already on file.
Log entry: h=6 m=2
